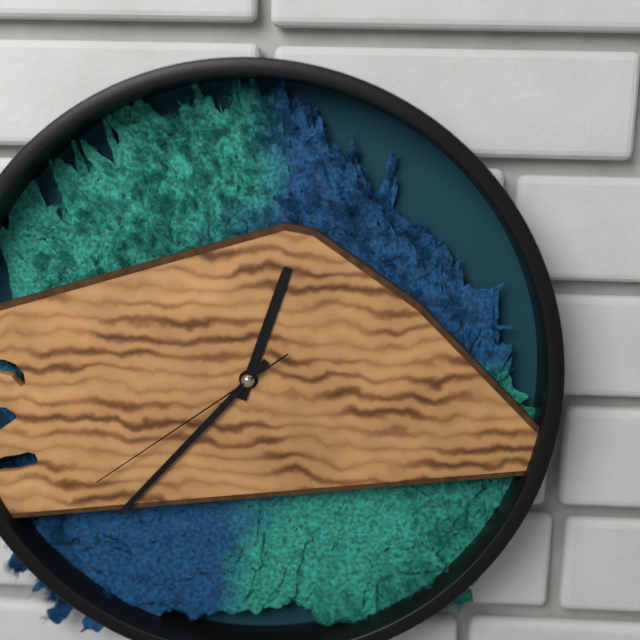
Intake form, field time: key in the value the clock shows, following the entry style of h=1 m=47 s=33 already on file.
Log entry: h=12 m=37 s=39
